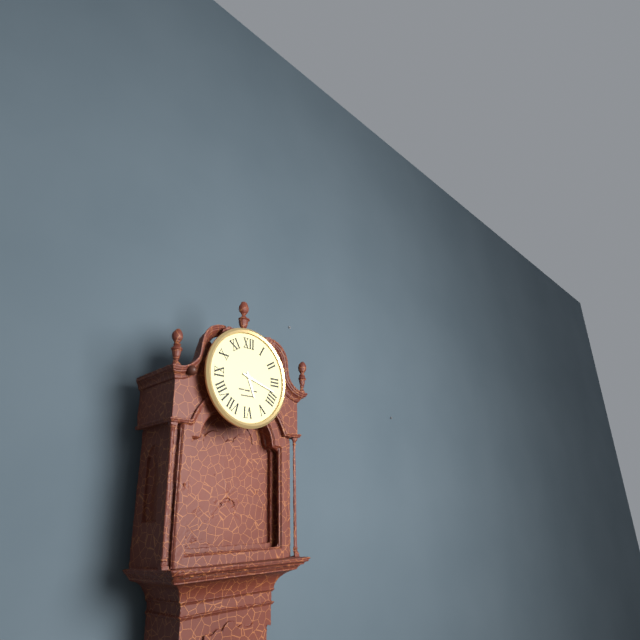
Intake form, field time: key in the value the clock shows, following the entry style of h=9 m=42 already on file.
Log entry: h=5 m=18
